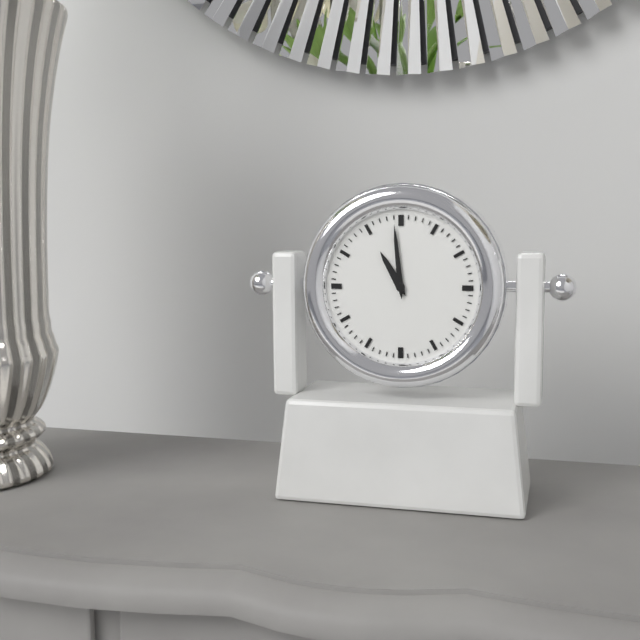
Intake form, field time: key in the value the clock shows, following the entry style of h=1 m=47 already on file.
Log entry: h=10 m=59
